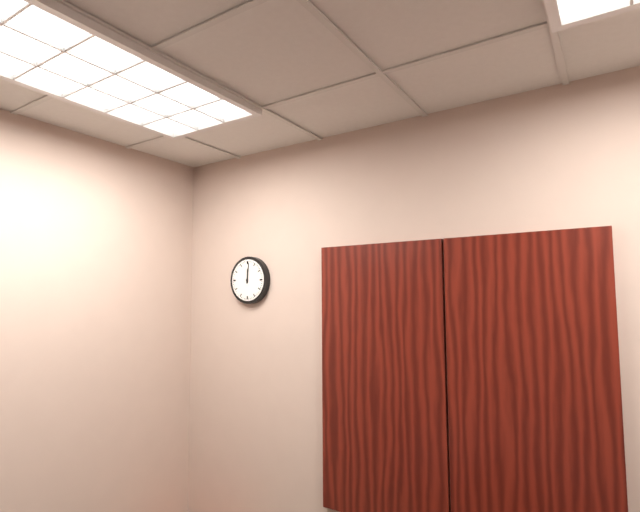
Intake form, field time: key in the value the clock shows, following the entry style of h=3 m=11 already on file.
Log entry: h=12 m=1
